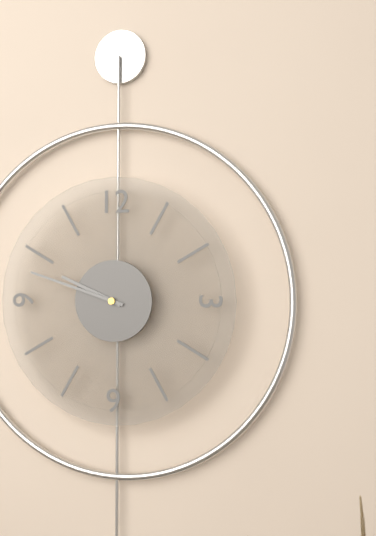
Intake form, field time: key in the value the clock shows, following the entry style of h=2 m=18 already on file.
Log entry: h=9 m=48
